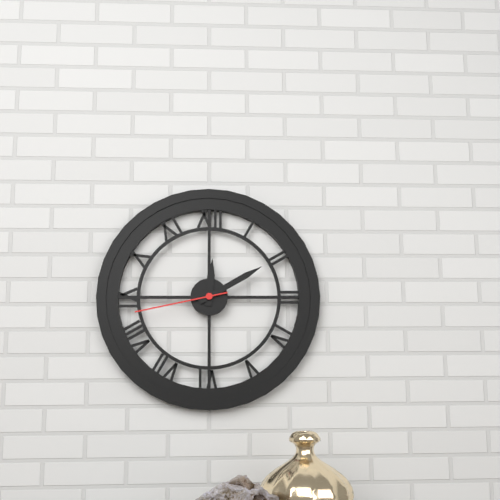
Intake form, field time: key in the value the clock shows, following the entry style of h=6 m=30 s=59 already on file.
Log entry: h=12 m=10 s=43
